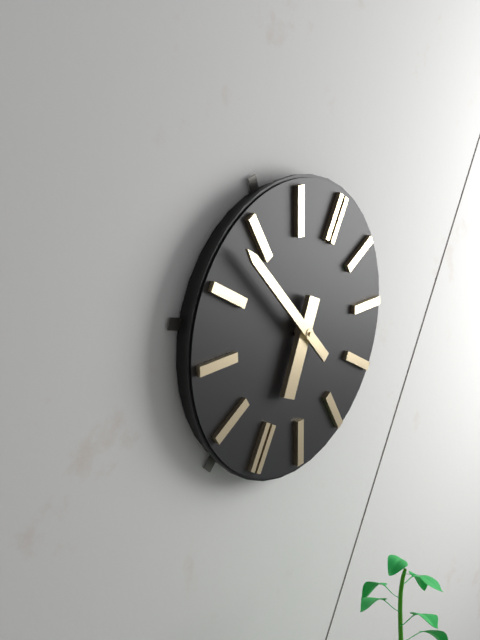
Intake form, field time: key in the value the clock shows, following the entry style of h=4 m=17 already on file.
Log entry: h=5 m=48
